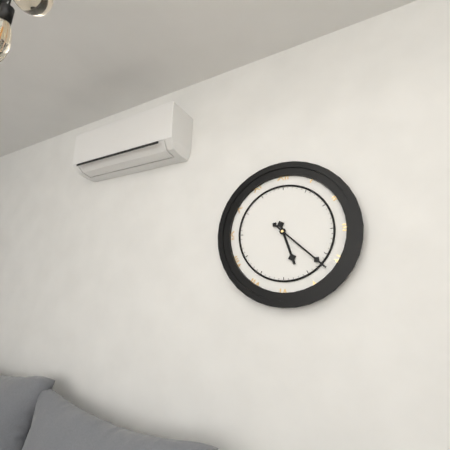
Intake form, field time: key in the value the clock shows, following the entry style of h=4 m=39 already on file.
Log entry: h=5 m=22
